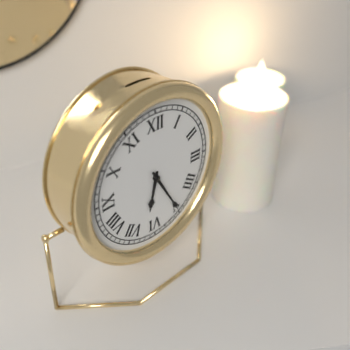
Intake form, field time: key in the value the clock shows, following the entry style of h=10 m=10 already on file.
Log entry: h=6 m=25
